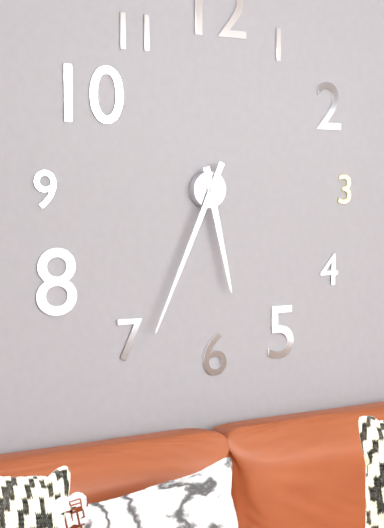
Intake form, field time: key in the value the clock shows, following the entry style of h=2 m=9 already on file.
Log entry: h=5 m=34
